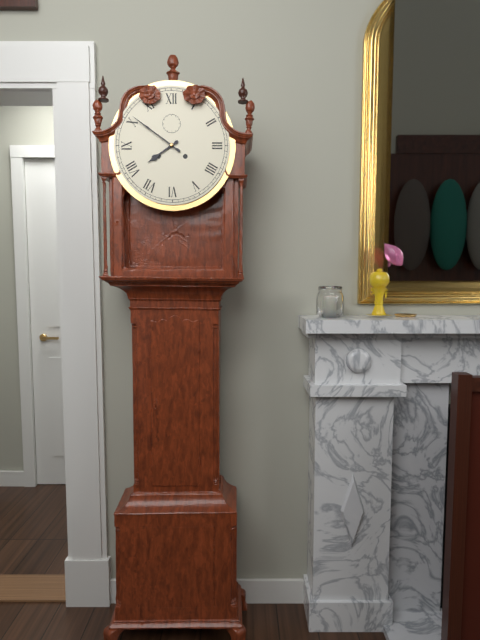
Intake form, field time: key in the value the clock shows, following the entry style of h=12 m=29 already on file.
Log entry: h=7 m=51
